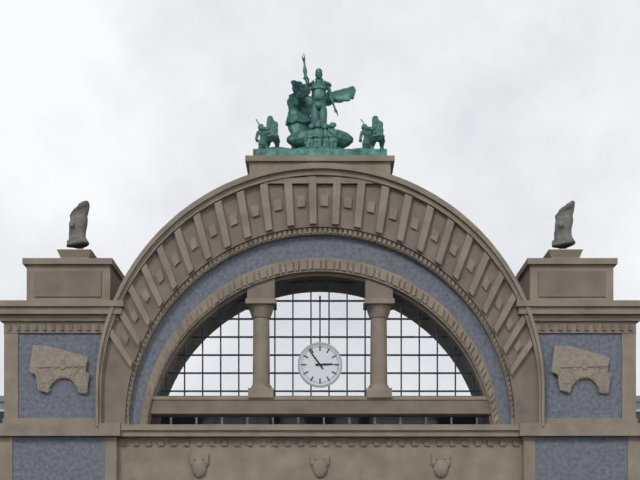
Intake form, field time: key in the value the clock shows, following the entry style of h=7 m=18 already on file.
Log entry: h=2 m=54
